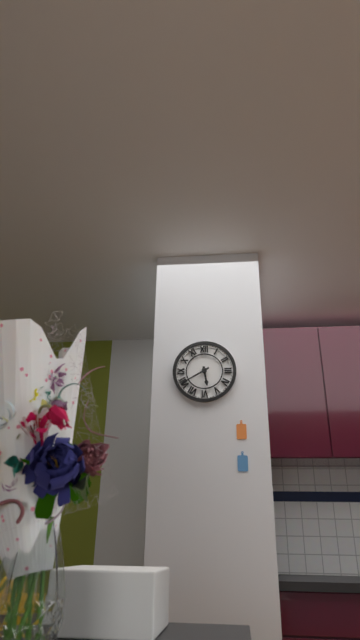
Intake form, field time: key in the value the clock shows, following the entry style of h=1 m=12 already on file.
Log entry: h=5 m=40
